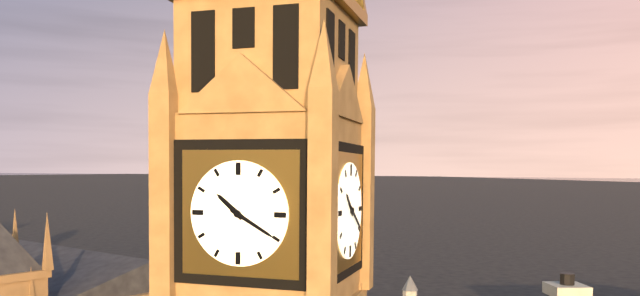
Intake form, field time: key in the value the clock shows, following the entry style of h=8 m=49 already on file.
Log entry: h=10 m=20
